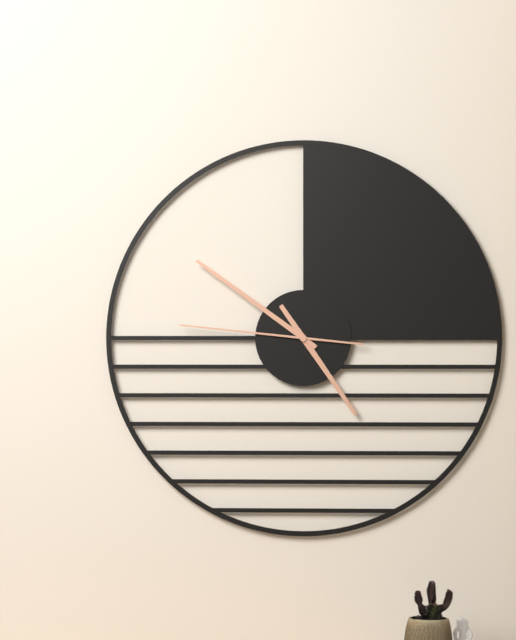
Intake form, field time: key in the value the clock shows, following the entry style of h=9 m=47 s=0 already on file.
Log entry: h=4 m=51 s=46
